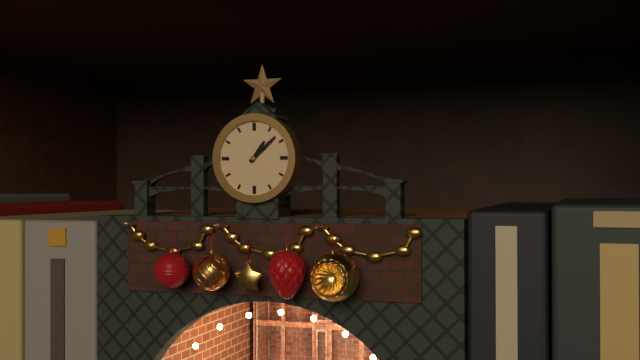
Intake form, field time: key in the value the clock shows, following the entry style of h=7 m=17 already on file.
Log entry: h=1 m=8
